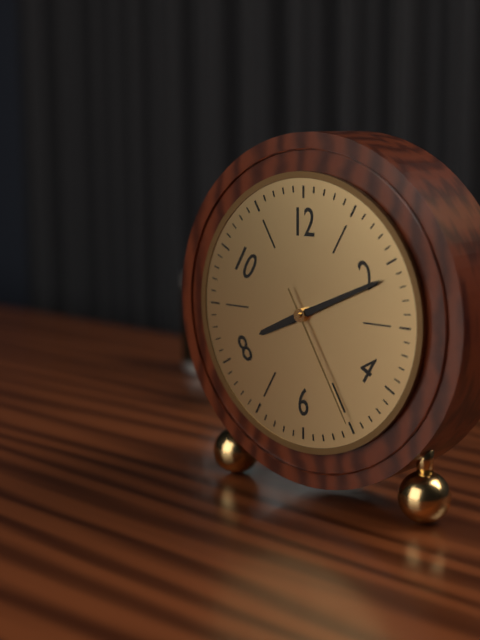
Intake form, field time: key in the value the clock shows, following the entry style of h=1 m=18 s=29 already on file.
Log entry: h=8 m=11 s=25
